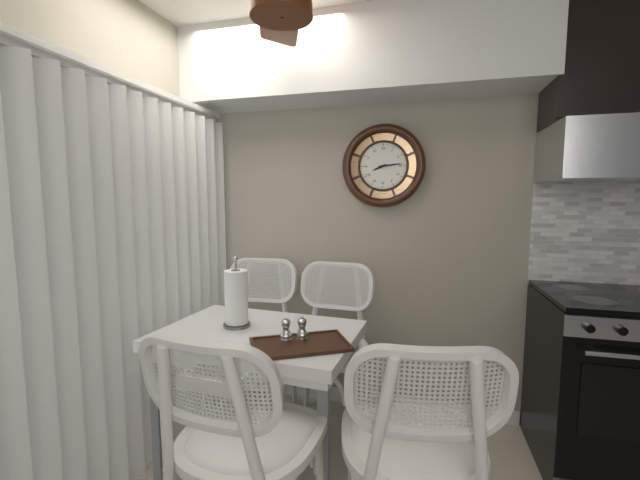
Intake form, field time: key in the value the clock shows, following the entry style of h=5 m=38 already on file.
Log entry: h=8 m=14
